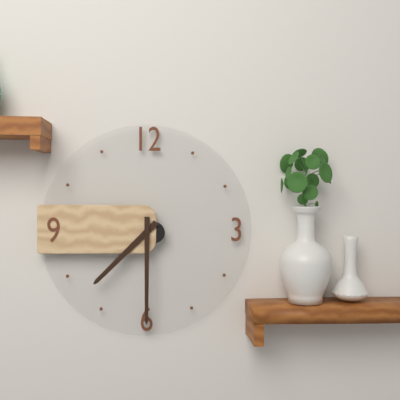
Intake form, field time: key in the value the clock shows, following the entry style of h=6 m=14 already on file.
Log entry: h=7 m=30
